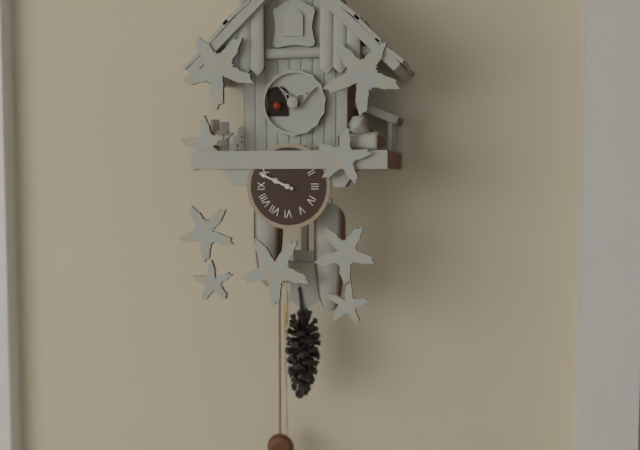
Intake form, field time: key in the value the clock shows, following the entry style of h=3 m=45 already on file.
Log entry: h=9 m=49
